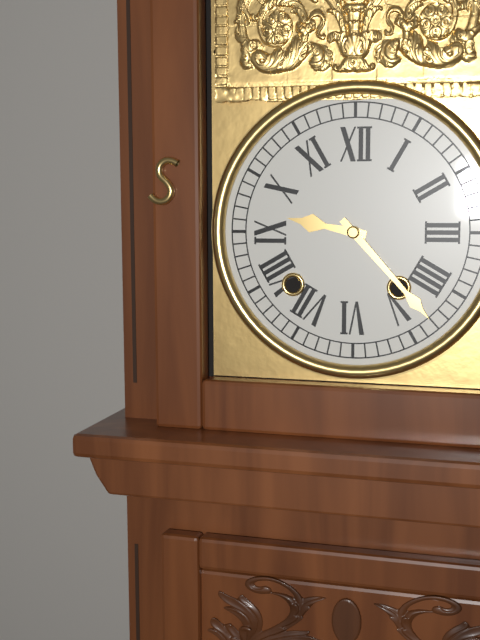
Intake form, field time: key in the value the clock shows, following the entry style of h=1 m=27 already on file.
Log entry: h=9 m=23
